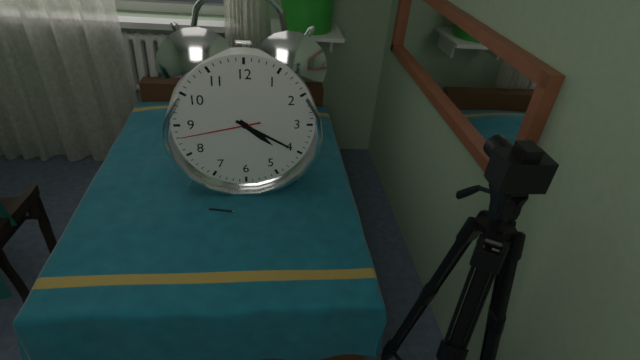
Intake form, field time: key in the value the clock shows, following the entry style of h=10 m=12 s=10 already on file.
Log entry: h=4 m=20 s=43
